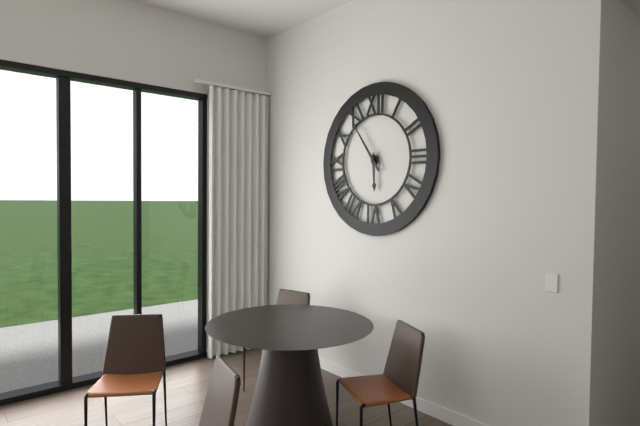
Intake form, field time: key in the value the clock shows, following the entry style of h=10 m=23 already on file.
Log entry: h=5 m=54
